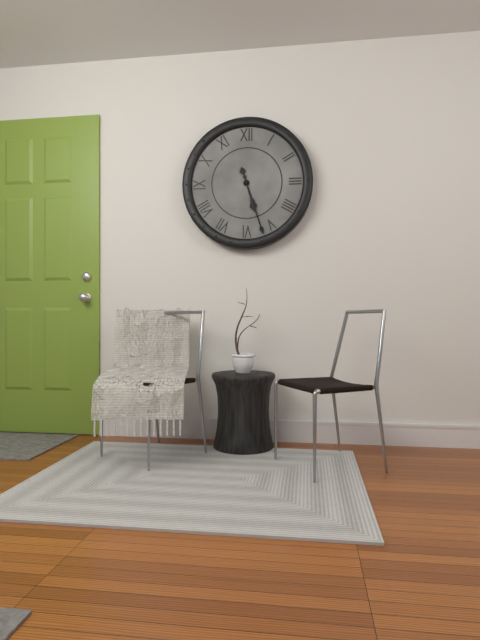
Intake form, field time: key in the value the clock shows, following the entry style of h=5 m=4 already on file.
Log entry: h=5 m=27
